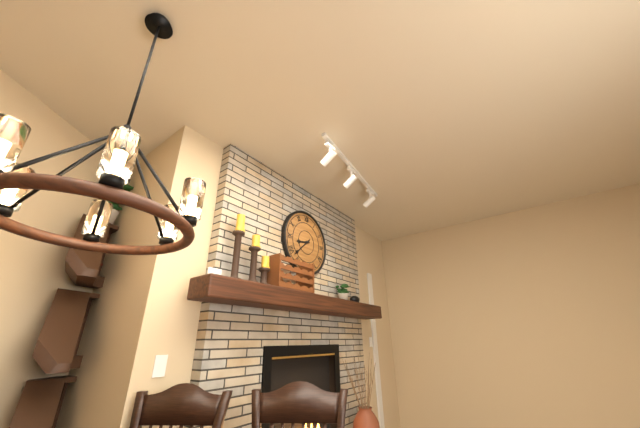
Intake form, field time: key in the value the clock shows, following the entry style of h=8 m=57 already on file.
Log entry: h=8 m=38
